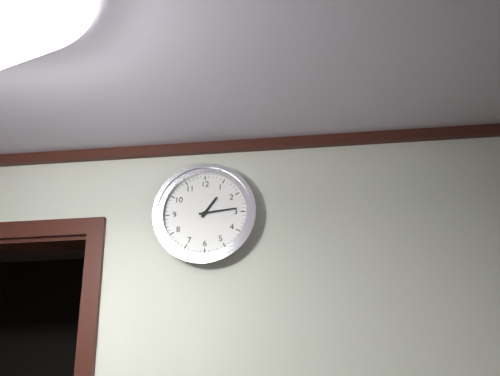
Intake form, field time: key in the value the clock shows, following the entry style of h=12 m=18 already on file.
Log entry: h=1 m=14
